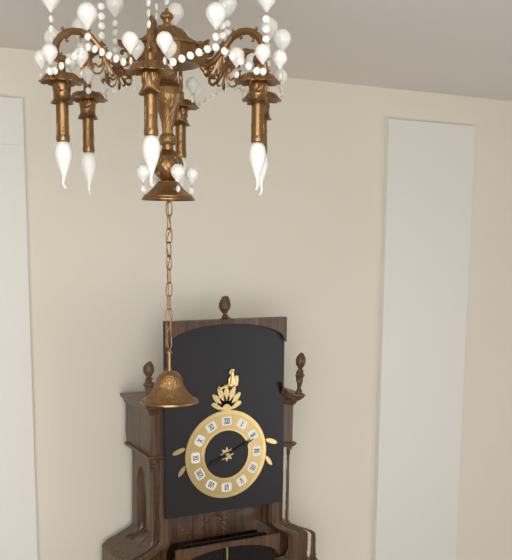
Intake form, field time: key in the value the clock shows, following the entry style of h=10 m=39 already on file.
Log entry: h=8 m=11
